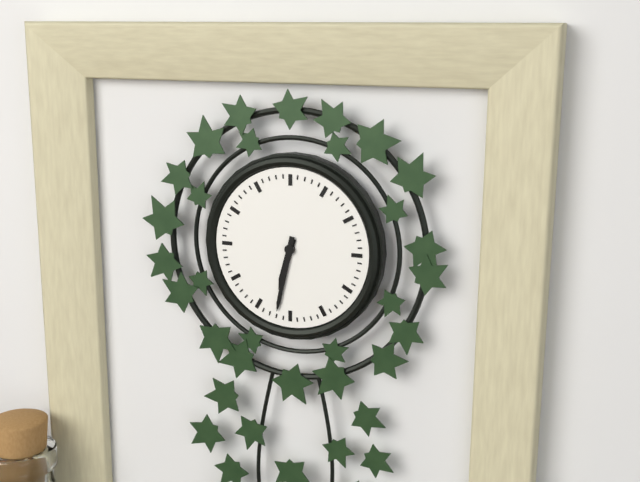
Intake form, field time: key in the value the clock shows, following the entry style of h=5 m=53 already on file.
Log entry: h=6 m=32
